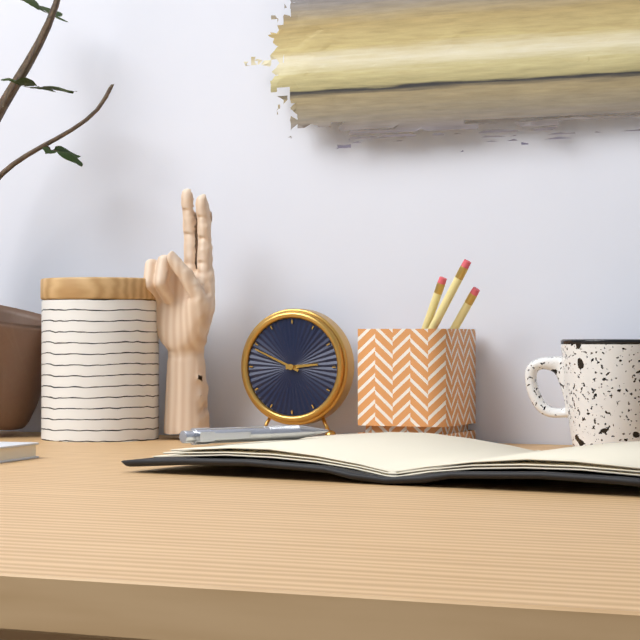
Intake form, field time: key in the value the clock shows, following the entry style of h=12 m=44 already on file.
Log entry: h=2 m=49
